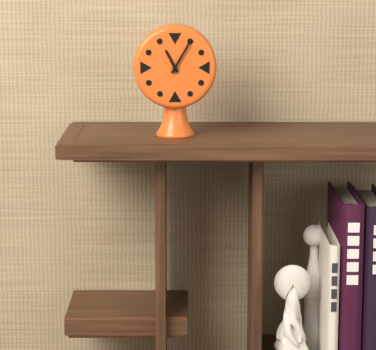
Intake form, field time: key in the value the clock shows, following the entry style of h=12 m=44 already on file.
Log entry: h=11 m=5
